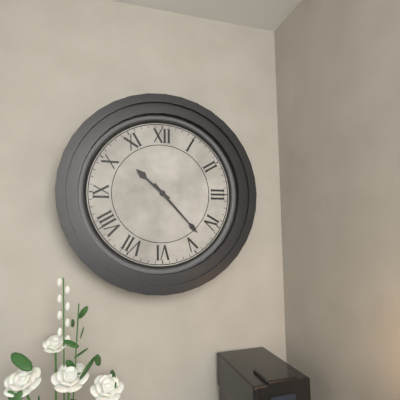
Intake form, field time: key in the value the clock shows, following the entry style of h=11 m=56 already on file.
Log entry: h=10 m=23
